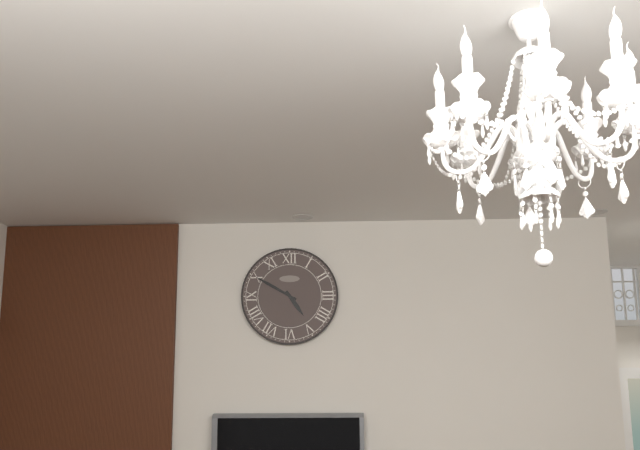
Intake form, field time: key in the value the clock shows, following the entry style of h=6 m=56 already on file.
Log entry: h=4 m=50
